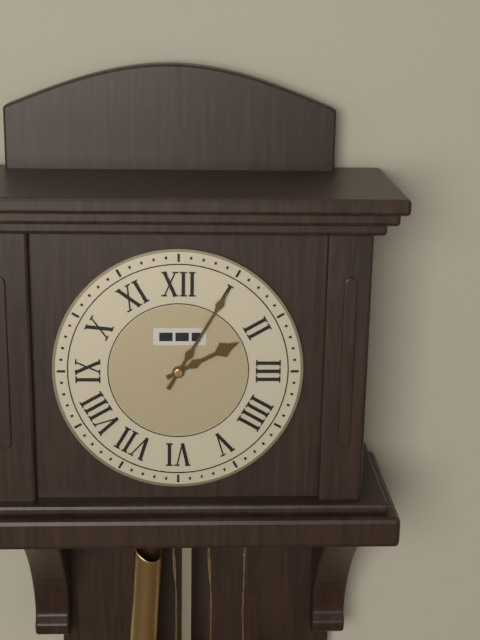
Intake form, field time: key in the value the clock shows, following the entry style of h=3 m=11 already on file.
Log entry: h=2 m=5
